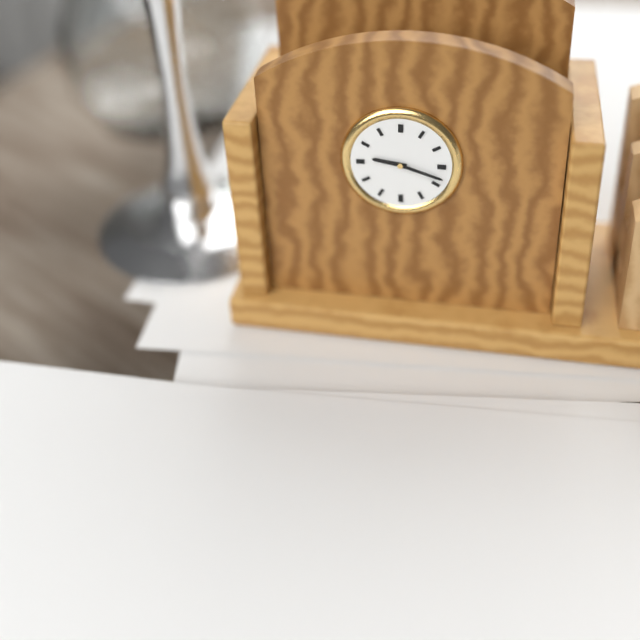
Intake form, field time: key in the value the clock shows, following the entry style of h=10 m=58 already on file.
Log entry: h=9 m=18
